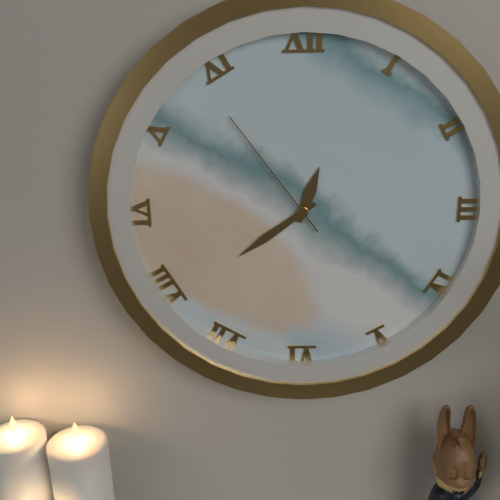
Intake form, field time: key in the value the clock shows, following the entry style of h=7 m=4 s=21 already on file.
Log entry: h=12 m=39 s=54
